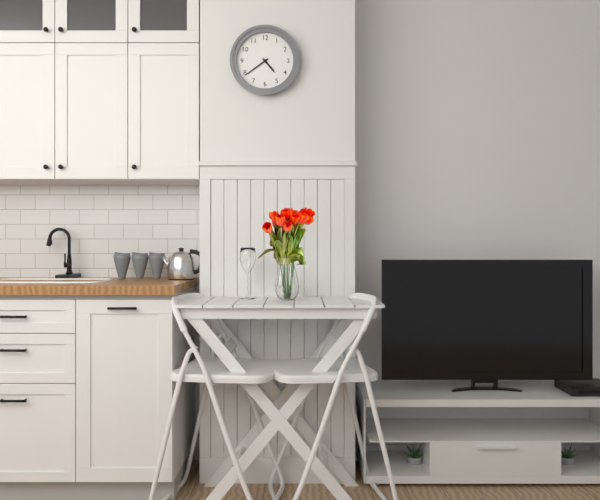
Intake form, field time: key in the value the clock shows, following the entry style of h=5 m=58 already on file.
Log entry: h=4 m=39
